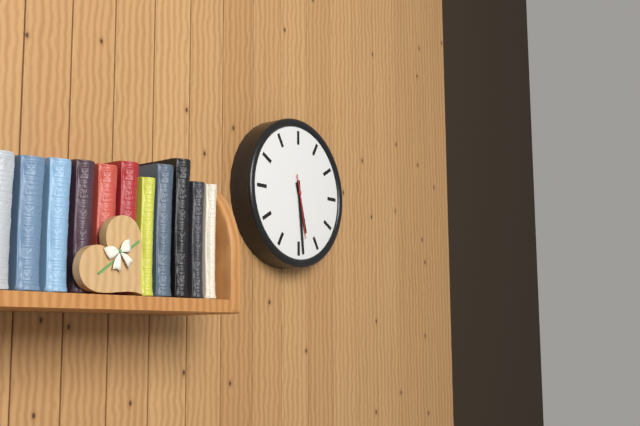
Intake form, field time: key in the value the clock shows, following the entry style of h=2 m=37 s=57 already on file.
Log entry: h=5 m=29 s=28
